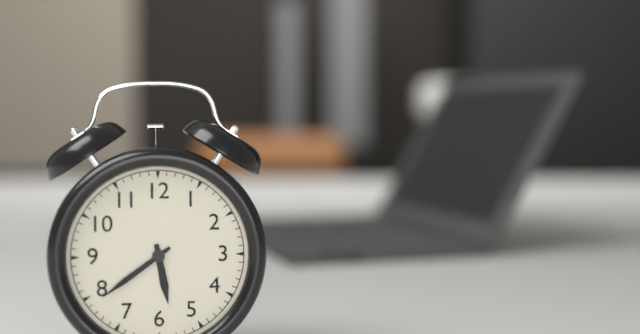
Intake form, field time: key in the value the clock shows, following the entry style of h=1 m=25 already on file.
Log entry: h=5 m=39
